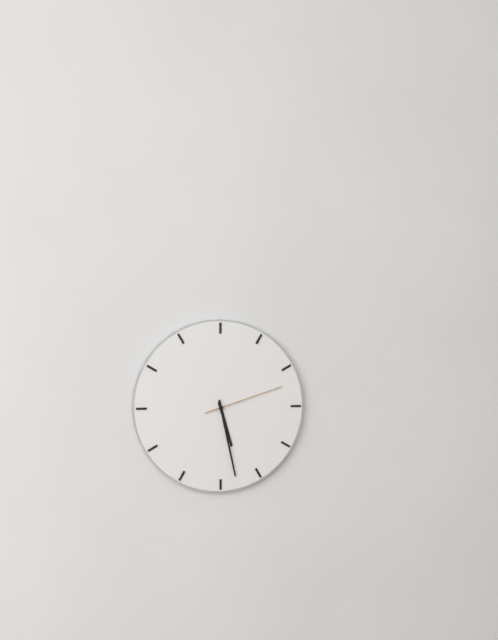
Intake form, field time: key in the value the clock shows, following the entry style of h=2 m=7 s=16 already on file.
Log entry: h=5 m=28 s=12
